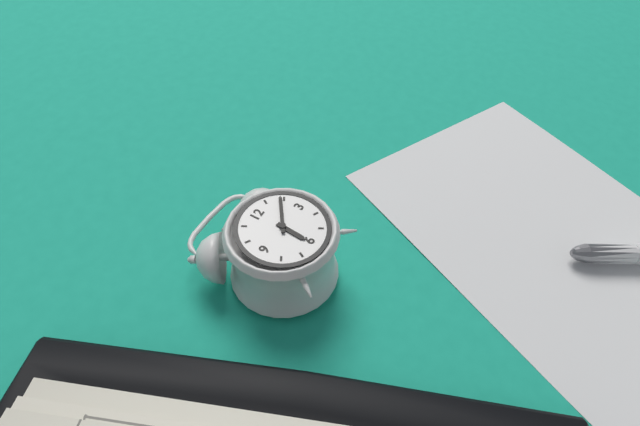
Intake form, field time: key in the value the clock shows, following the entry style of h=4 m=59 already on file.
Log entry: h=6 m=9
